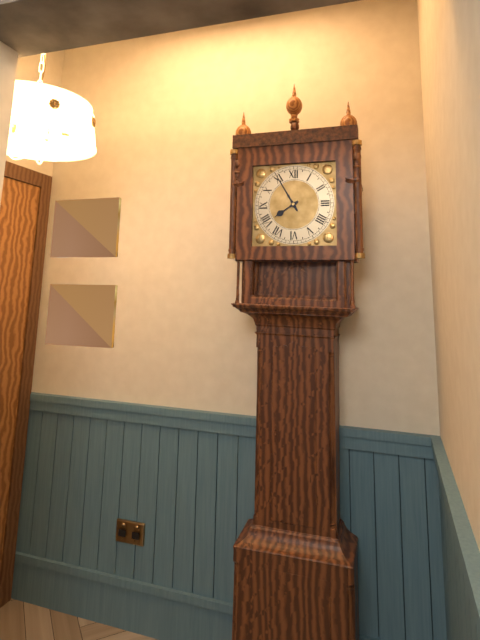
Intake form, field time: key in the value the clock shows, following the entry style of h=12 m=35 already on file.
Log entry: h=7 m=55
